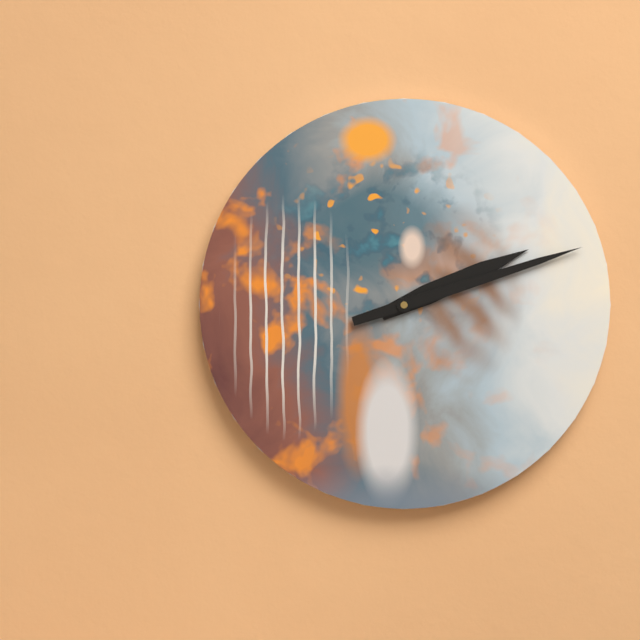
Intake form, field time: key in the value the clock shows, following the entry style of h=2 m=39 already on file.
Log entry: h=2 m=12
